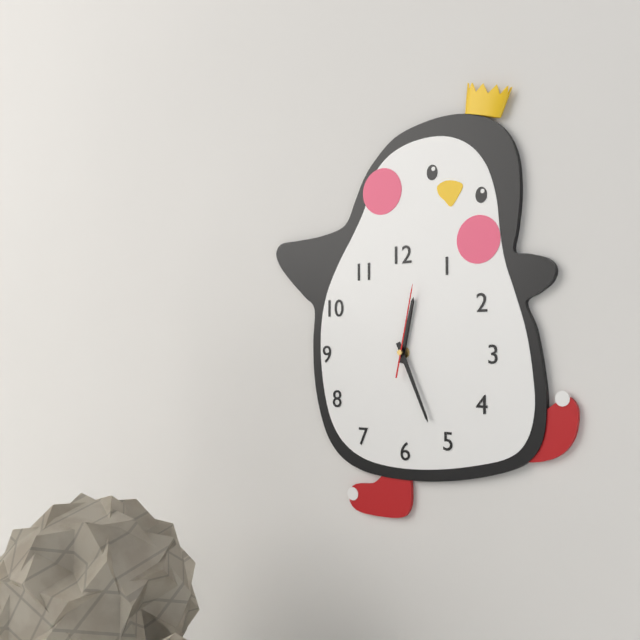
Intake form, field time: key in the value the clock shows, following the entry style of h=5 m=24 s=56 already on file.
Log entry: h=12 m=26 s=2
